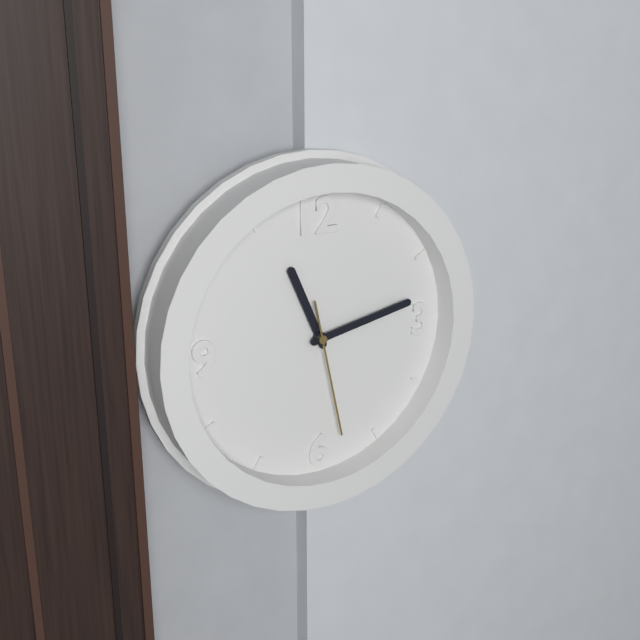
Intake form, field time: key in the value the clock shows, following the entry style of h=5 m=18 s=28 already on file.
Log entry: h=11 m=13 s=28
